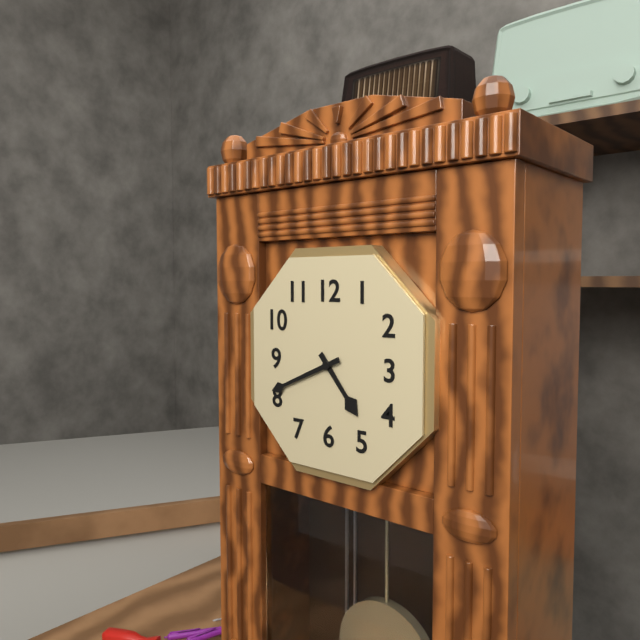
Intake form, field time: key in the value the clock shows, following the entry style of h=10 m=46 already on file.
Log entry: h=4 m=41
